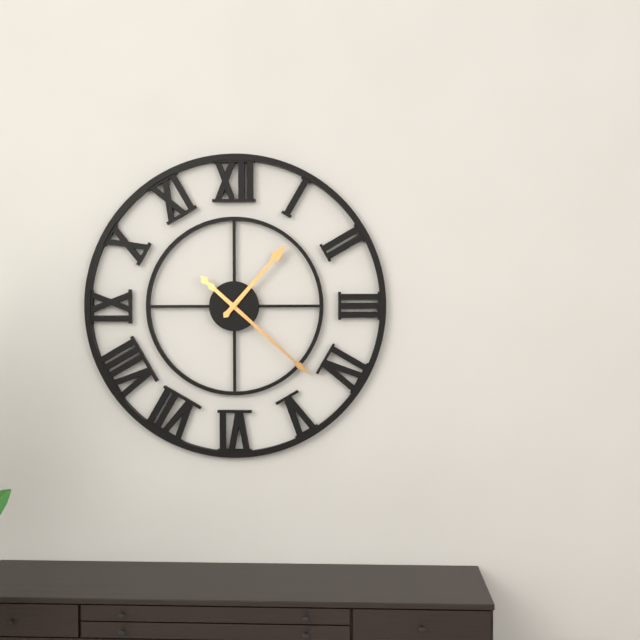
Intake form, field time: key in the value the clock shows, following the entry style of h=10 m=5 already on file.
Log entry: h=1 m=22
